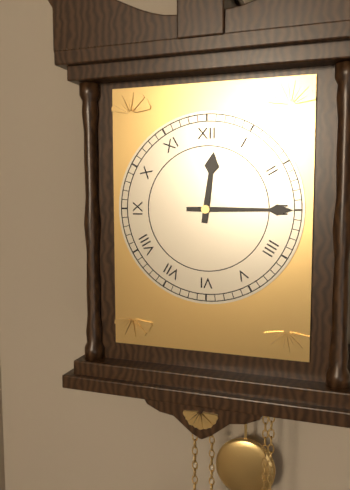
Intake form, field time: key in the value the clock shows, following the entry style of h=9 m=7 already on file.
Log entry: h=12 m=15
